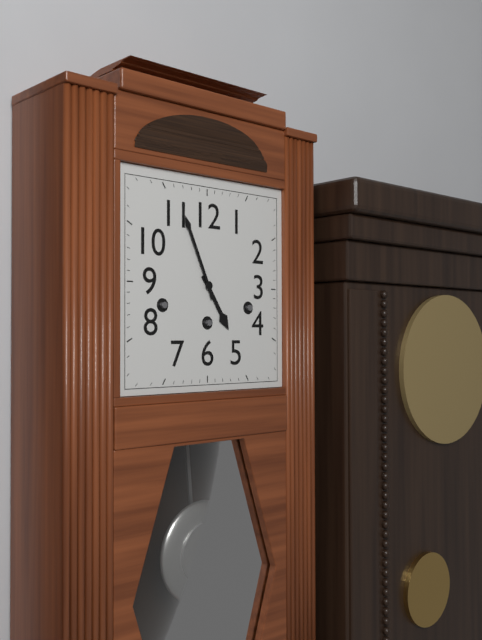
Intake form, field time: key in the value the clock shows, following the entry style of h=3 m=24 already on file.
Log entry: h=4 m=56
